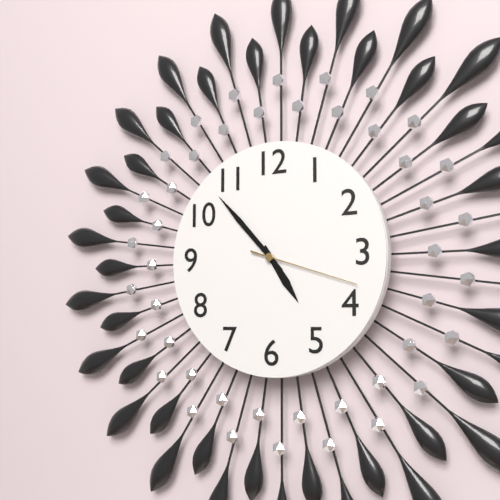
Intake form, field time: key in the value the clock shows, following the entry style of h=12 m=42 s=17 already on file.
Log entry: h=4 m=53 s=18
